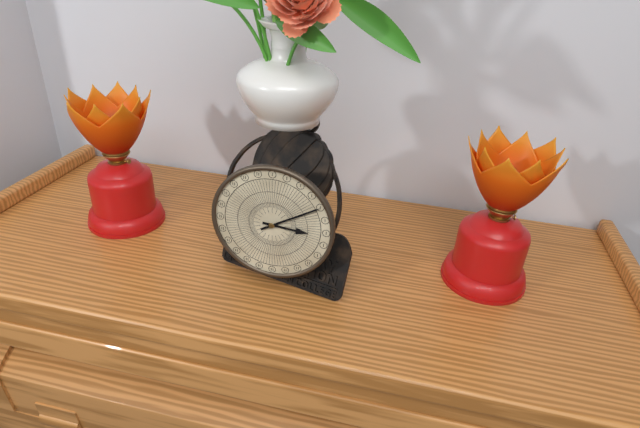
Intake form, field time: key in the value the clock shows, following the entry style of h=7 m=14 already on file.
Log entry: h=3 m=10
